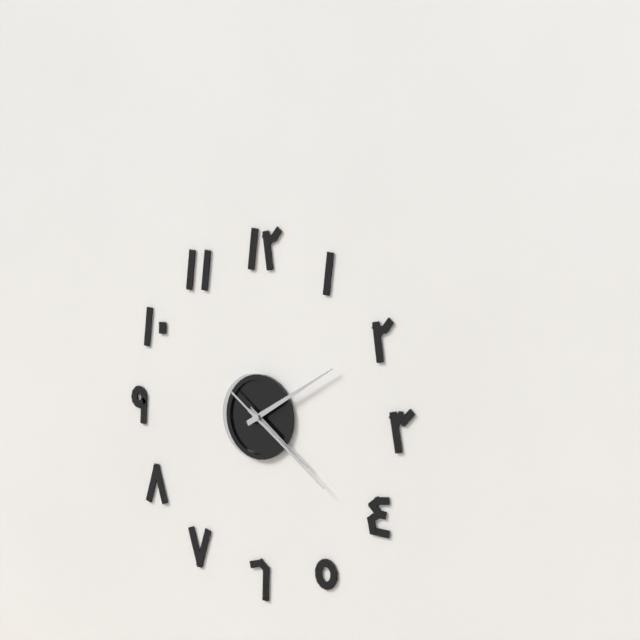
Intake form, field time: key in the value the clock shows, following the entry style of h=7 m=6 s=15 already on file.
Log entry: h=4 m=10 s=21
